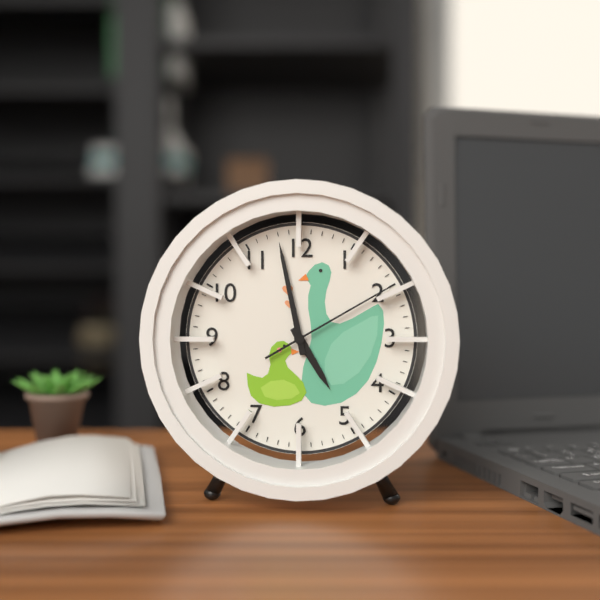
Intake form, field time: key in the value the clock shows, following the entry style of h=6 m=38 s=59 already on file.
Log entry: h=4 m=58 s=10
